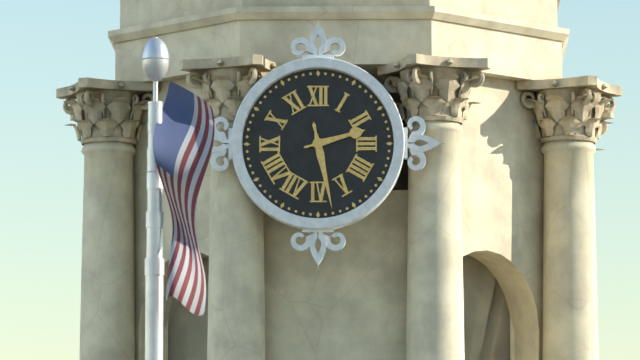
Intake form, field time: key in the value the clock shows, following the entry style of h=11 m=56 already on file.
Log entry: h=2 m=28
